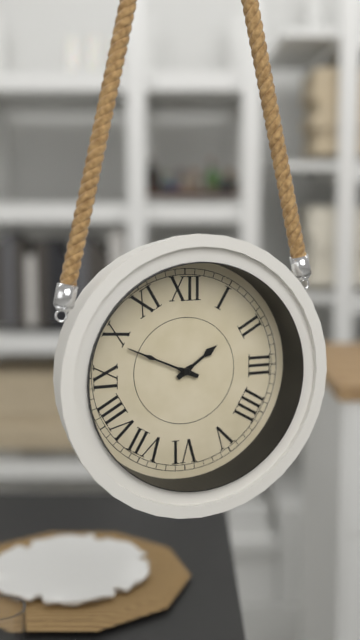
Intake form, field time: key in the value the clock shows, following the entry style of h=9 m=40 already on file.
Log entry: h=1 m=49
